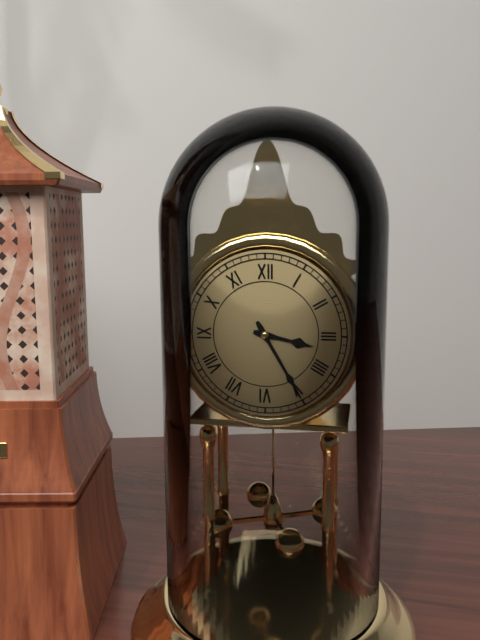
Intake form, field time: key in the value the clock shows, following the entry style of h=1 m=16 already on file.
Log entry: h=3 m=25
